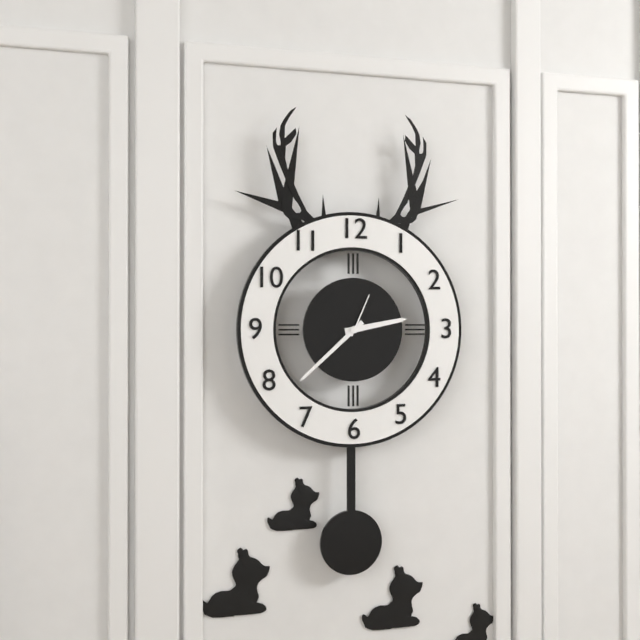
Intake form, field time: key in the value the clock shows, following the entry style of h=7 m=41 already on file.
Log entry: h=2 m=38
